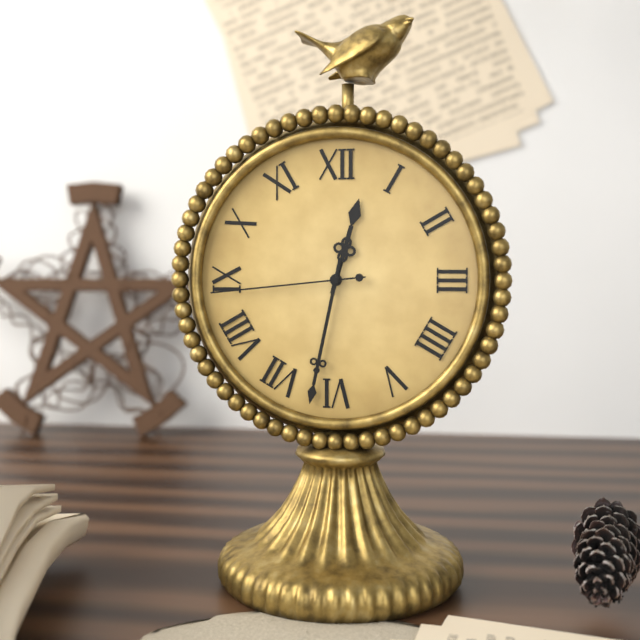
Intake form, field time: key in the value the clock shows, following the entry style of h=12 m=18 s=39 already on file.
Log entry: h=12 m=32 s=44
